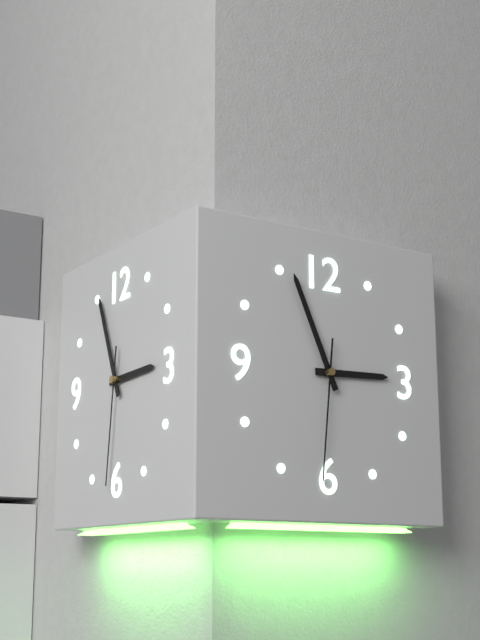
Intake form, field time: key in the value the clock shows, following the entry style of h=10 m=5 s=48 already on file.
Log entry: h=2 m=56 s=31
